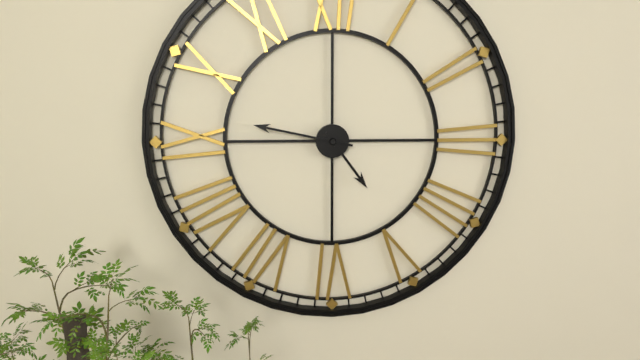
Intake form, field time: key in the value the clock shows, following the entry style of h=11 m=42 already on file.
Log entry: h=4 m=47
